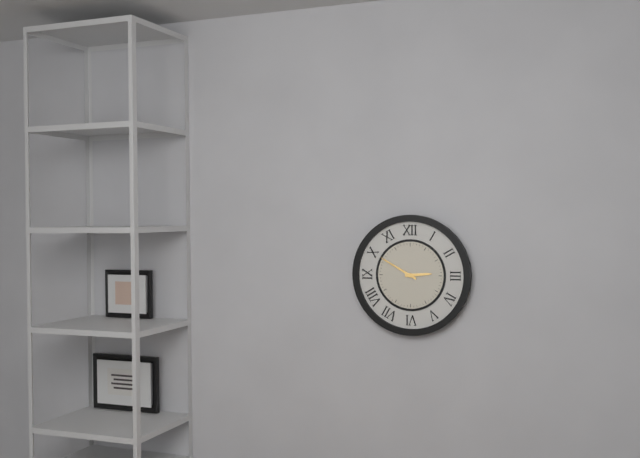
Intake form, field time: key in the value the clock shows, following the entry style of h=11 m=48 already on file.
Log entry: h=2 m=50
